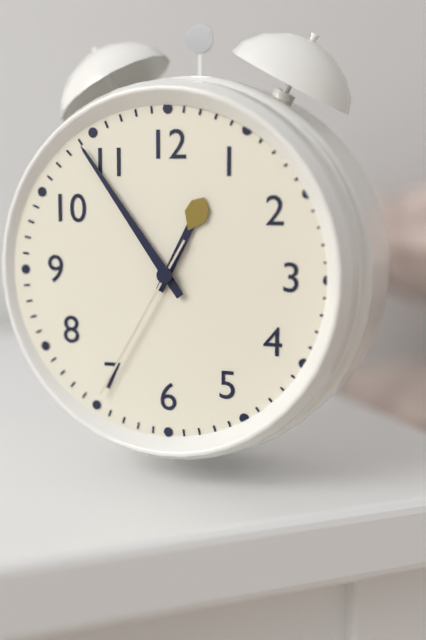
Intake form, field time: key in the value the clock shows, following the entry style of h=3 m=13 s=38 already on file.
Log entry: h=12 m=54 s=35
